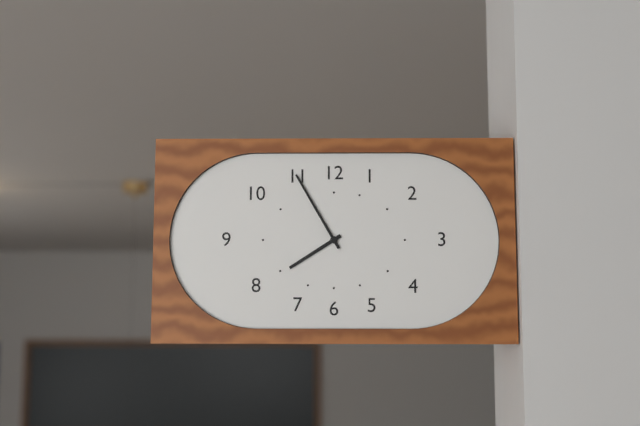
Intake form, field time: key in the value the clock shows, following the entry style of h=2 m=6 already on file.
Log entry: h=7 m=55
